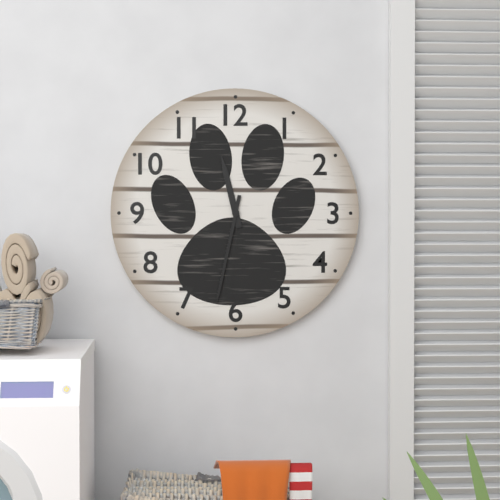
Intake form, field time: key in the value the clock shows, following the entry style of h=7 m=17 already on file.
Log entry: h=11 m=32
